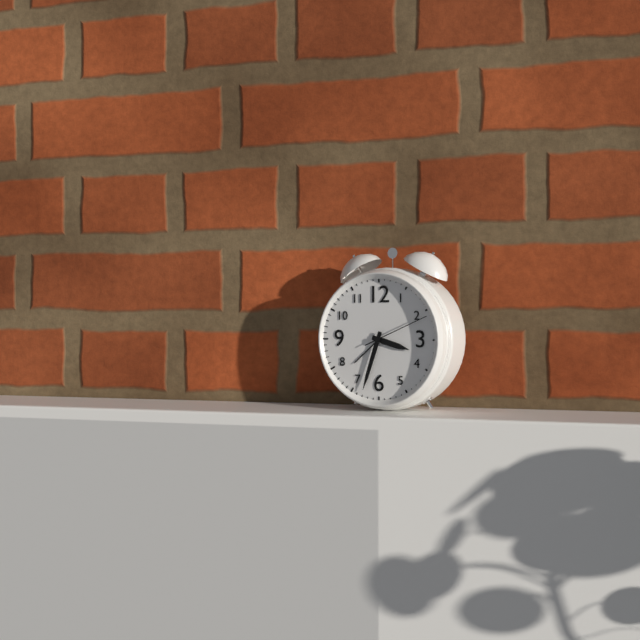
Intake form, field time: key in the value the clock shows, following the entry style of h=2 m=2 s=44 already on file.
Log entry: h=3 m=33 s=11
